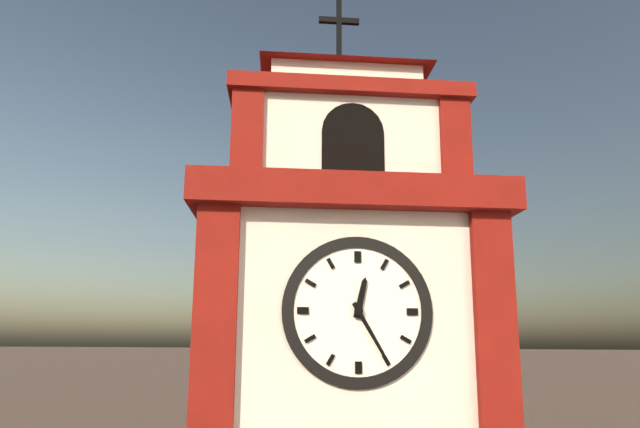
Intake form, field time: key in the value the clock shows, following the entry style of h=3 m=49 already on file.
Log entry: h=12 m=25
